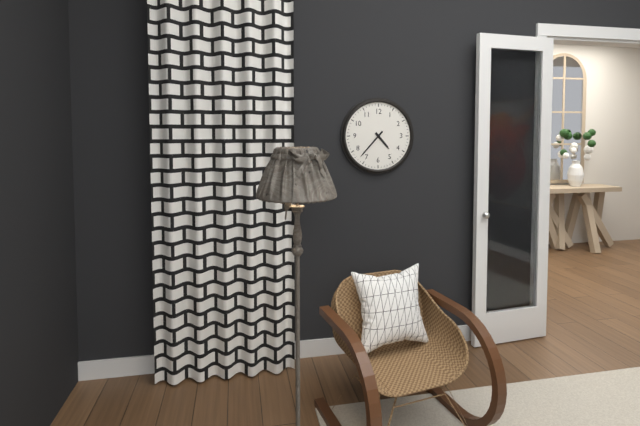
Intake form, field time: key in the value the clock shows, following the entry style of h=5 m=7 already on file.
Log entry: h=4 m=37
